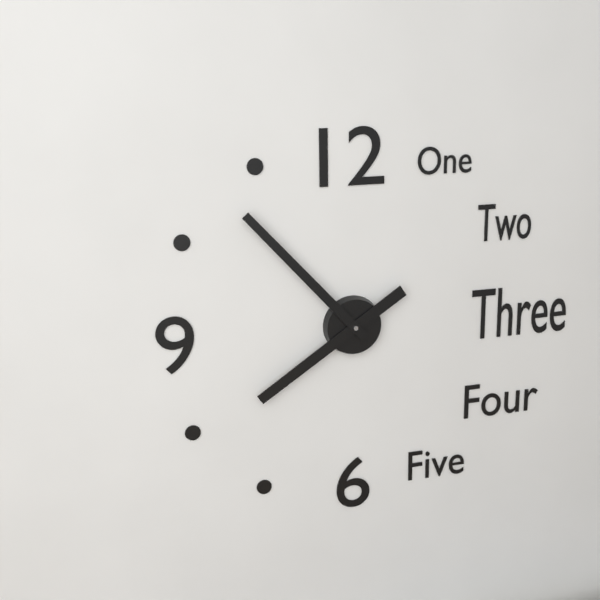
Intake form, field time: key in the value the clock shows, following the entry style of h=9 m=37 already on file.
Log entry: h=7 m=53
